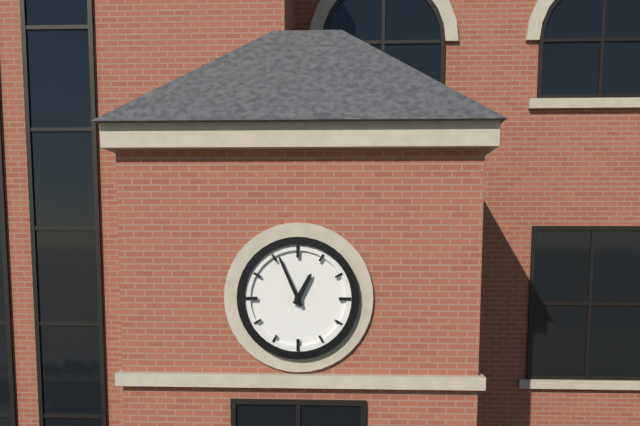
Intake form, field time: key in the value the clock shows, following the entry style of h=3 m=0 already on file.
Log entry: h=12 m=56
